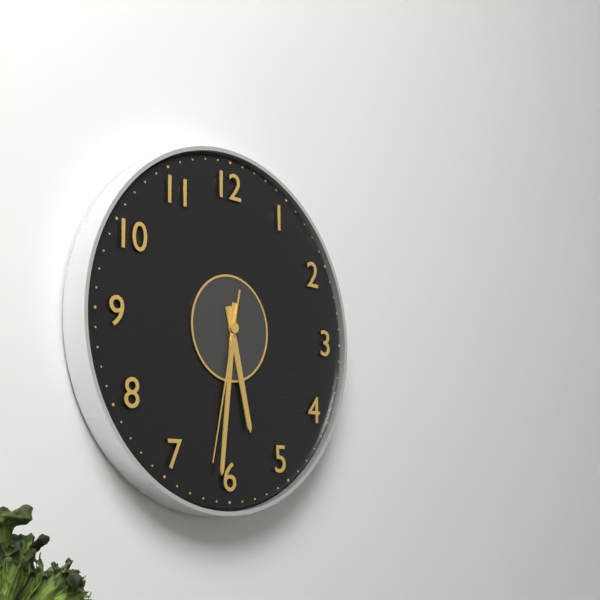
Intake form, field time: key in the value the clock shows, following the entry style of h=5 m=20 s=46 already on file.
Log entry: h=5 m=31 s=32
